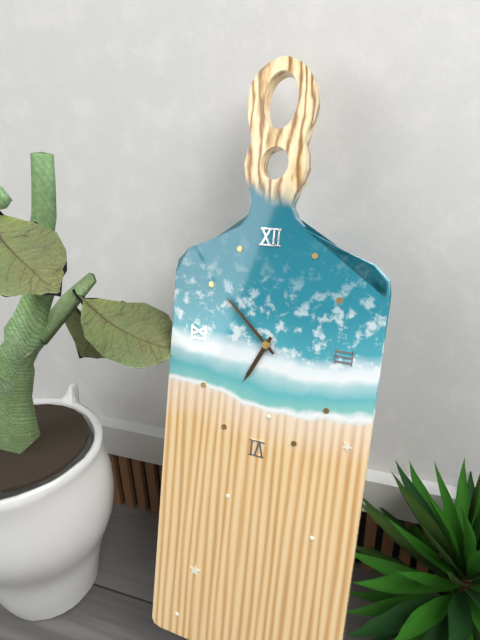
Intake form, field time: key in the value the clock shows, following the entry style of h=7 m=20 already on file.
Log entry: h=6 m=52
